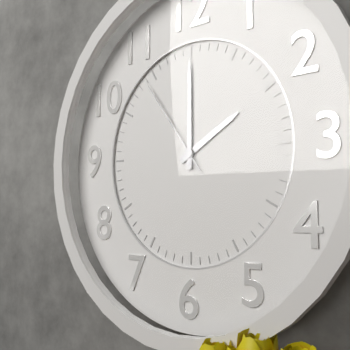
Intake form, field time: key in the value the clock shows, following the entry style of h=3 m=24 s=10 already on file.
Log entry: h=2 m=0 s=54
